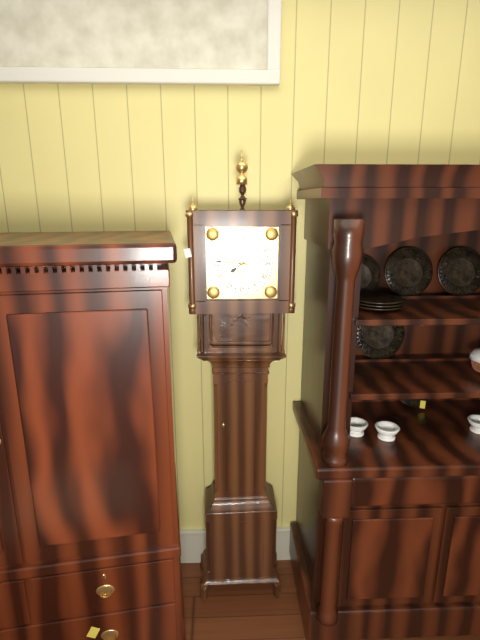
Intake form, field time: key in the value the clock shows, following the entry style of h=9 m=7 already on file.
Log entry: h=7 m=46
